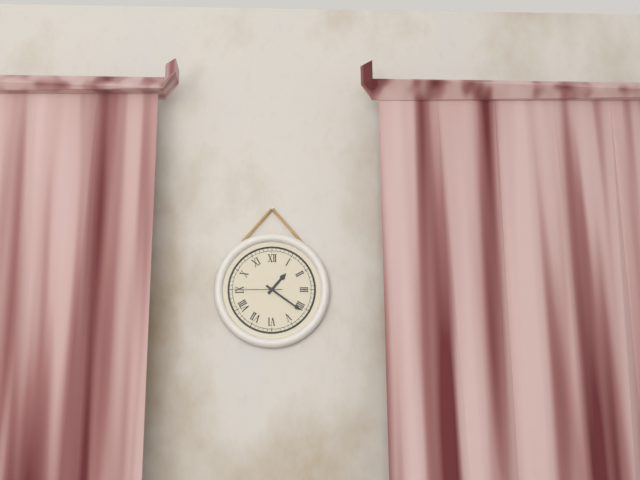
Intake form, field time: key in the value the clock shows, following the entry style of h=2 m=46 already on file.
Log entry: h=1 m=21
